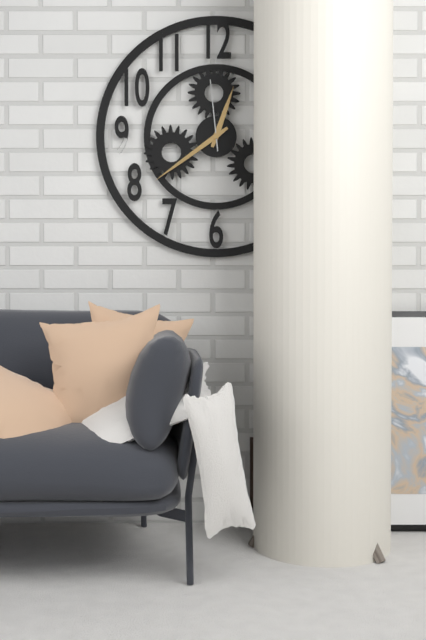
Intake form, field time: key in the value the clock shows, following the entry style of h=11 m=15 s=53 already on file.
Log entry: h=12 m=39 s=59
